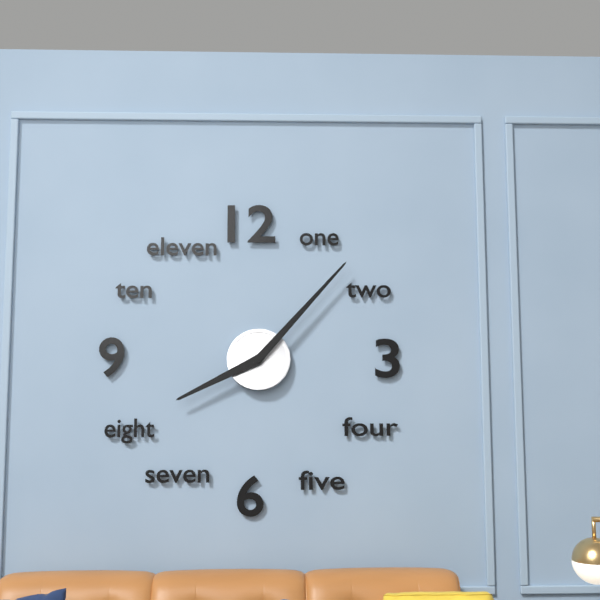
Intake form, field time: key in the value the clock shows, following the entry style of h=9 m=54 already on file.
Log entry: h=8 m=7
